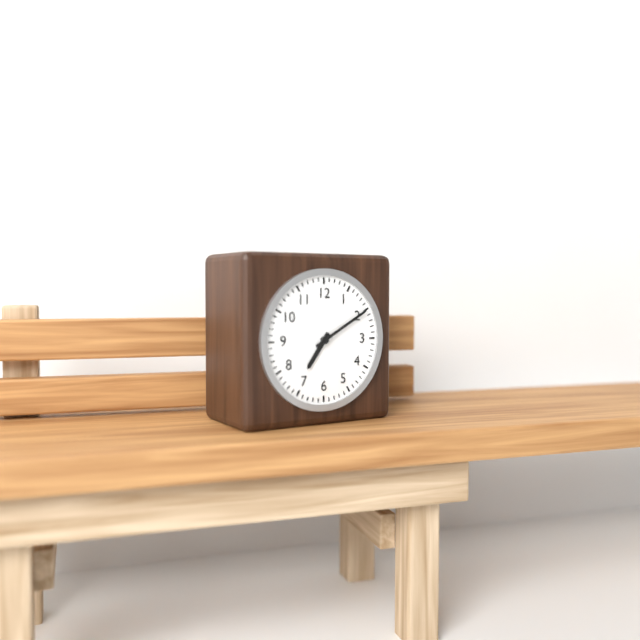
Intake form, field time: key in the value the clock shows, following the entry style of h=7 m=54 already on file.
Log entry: h=7 m=10
